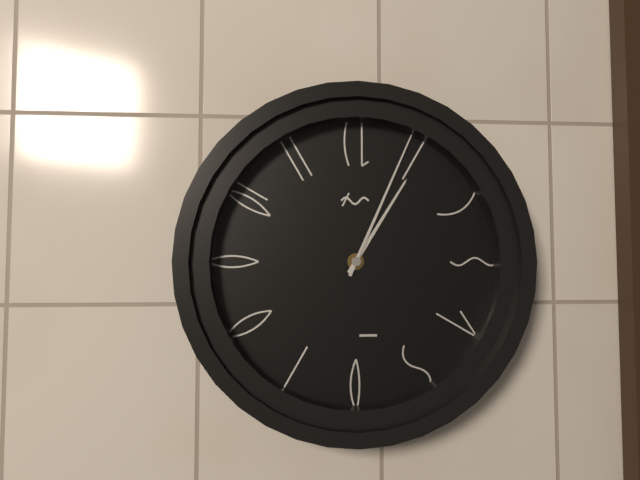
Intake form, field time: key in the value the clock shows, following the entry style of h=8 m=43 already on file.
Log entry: h=1 m=4
